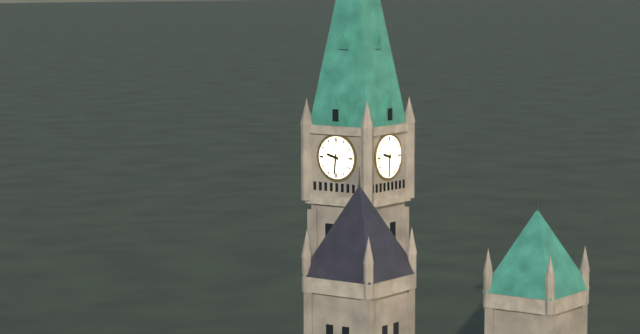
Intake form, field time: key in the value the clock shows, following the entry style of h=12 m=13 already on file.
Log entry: h=9 m=31
